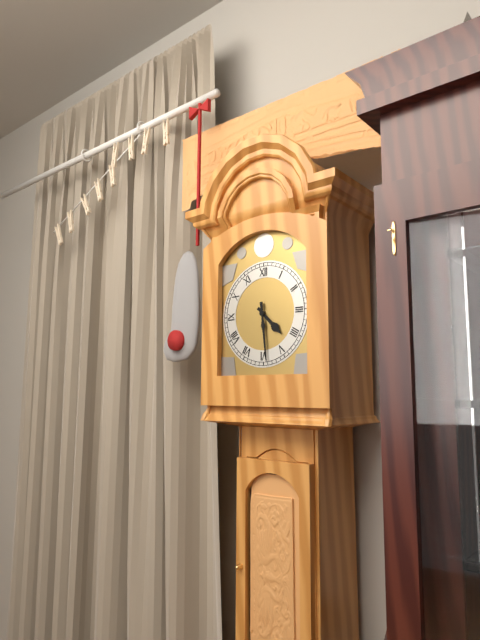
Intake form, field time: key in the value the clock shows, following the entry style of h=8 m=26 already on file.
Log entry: h=4 m=29
